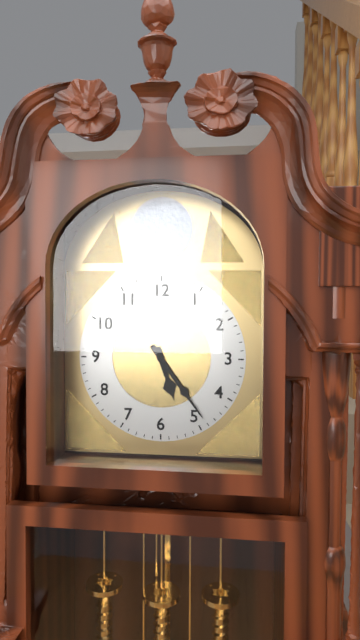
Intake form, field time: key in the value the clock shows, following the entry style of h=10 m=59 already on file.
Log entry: h=5 m=24
